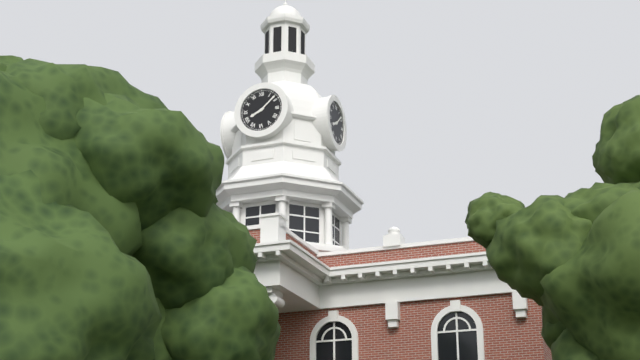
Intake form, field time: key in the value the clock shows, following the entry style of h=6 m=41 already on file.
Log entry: h=8 m=8
